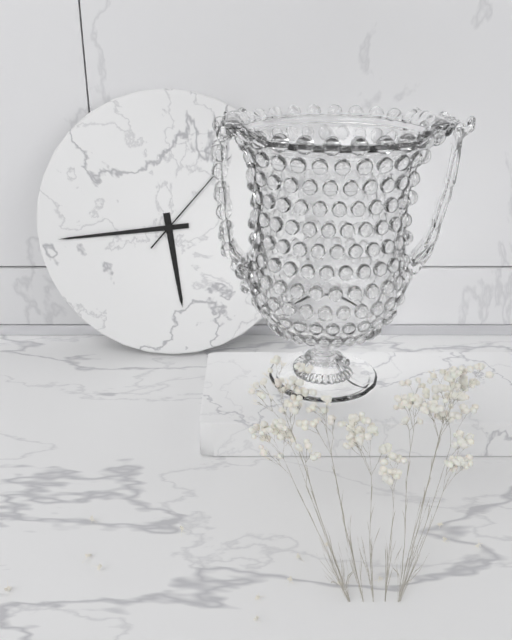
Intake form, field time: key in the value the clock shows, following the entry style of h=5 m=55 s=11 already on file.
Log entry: h=5 m=44 s=7
